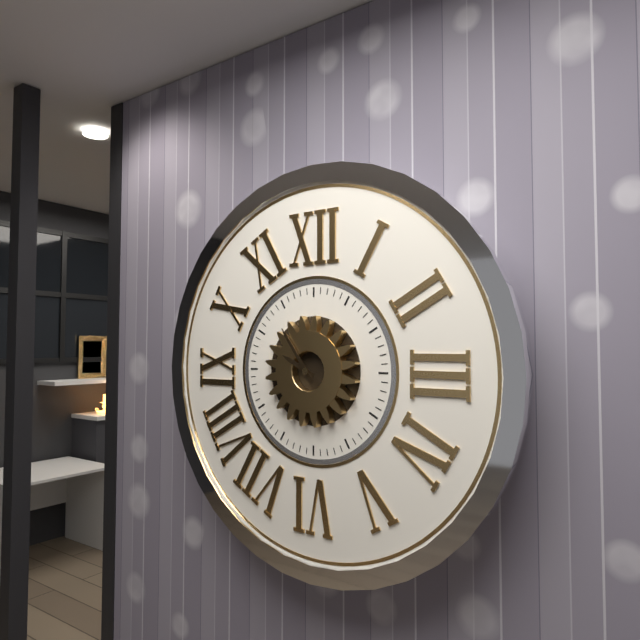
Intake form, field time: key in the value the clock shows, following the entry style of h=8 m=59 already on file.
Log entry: h=9 m=54
